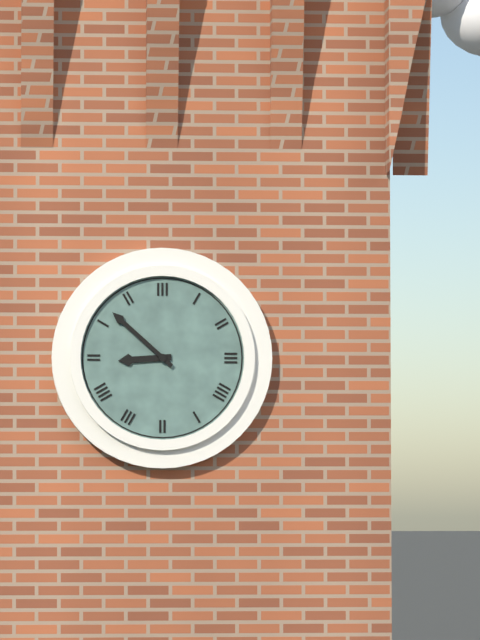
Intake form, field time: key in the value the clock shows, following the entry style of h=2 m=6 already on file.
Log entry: h=8 m=52
